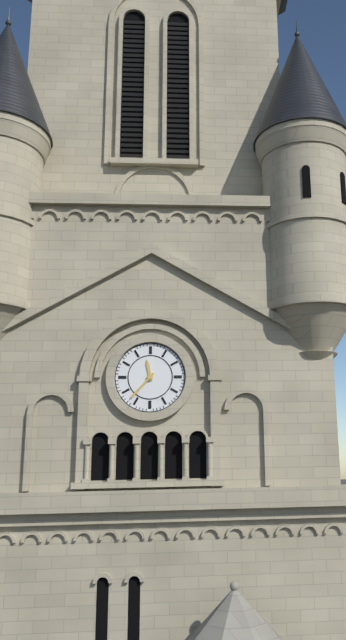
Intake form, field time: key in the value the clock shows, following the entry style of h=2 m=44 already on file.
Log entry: h=11 m=37
